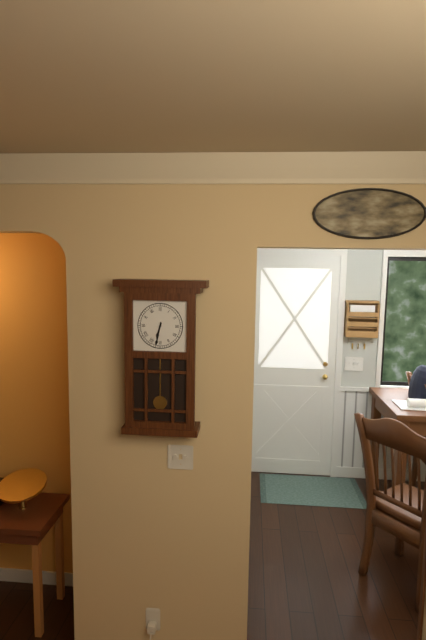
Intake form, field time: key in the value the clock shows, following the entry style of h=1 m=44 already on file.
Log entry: h=6 m=32
